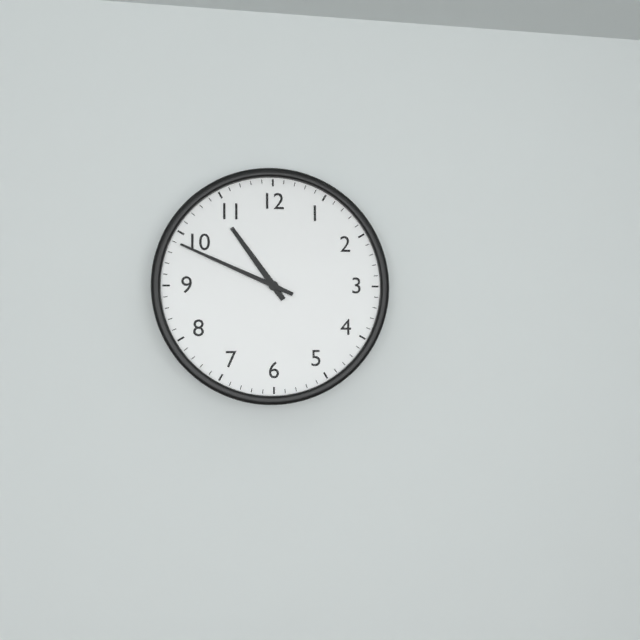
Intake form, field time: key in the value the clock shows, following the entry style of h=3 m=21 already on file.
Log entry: h=10 m=49
